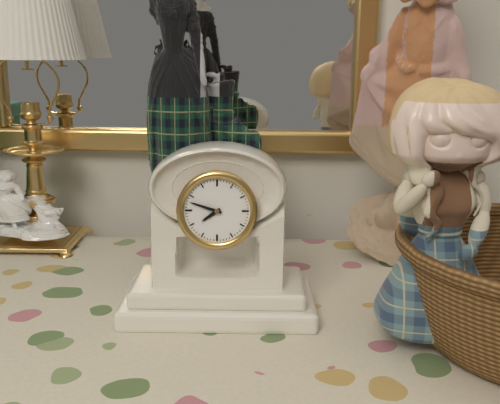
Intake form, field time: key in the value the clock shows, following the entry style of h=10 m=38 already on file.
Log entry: h=7 m=48
